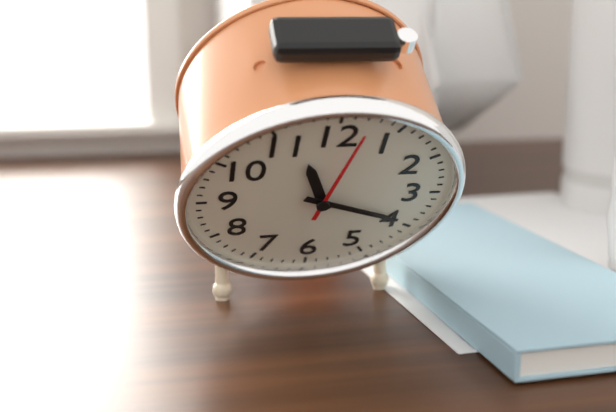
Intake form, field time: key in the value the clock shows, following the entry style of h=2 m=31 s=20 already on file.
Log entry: h=11 m=19 s=2
